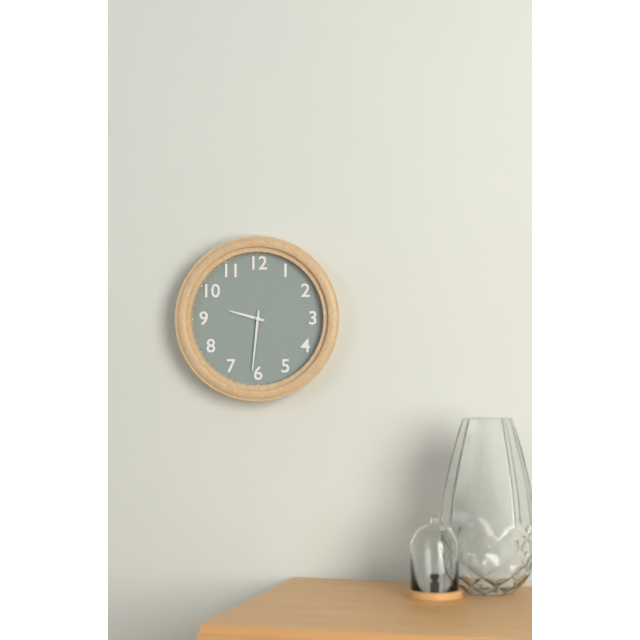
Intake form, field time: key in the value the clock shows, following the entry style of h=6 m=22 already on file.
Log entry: h=9 m=31
